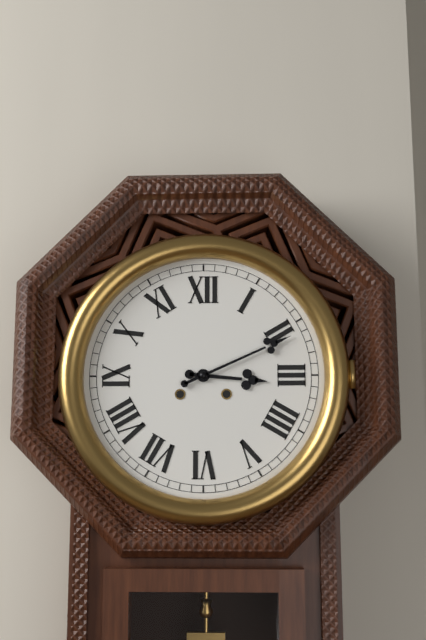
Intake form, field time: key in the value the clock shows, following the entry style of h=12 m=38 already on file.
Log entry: h=3 m=11
